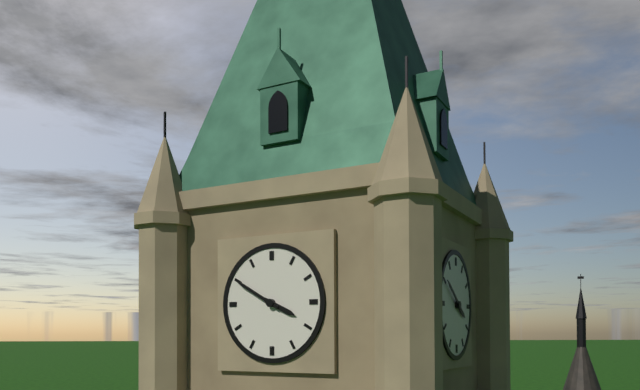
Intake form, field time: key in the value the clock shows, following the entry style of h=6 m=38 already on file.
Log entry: h=3 m=50
